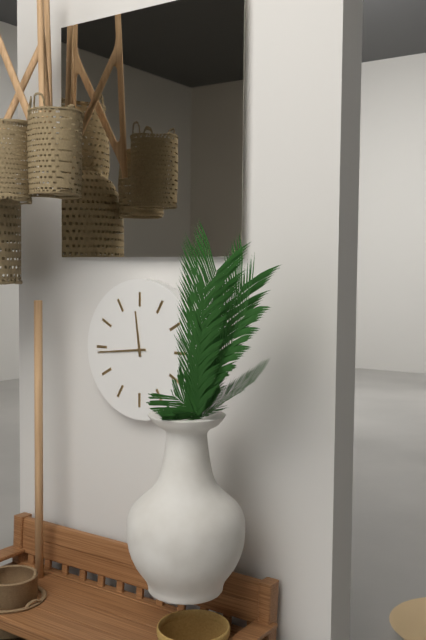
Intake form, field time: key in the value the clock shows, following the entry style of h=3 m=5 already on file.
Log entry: h=11 m=44
